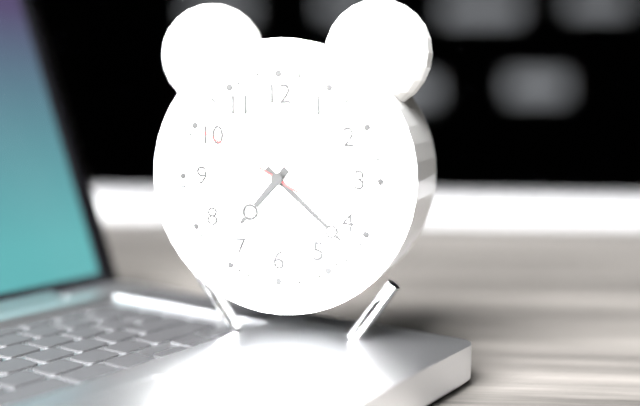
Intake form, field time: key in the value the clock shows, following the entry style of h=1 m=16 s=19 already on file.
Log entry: h=7 m=22 s=50
